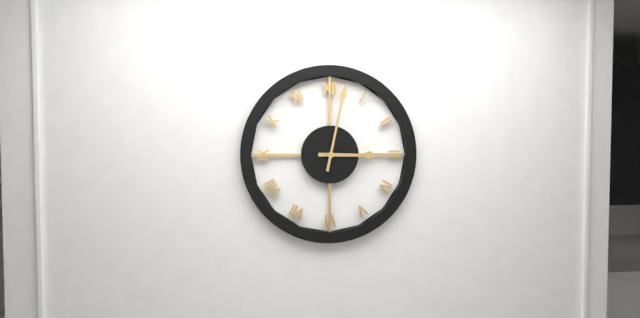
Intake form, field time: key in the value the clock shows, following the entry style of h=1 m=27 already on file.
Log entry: h=3 m=2
